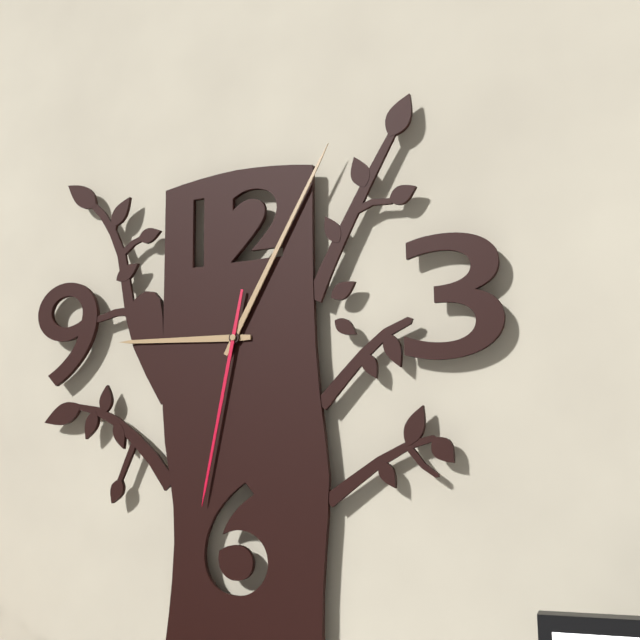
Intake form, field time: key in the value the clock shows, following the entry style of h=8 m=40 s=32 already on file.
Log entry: h=9 m=5 s=32
